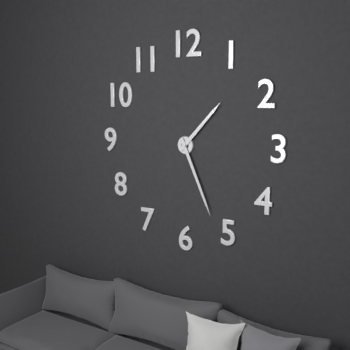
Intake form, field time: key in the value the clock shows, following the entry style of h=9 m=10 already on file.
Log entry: h=1 m=26
